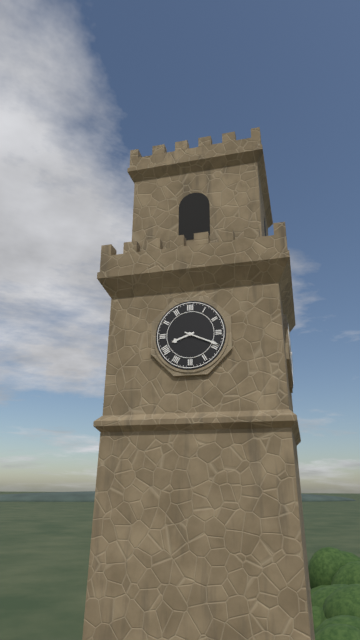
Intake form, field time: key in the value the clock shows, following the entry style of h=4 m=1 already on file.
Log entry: h=8 m=19
